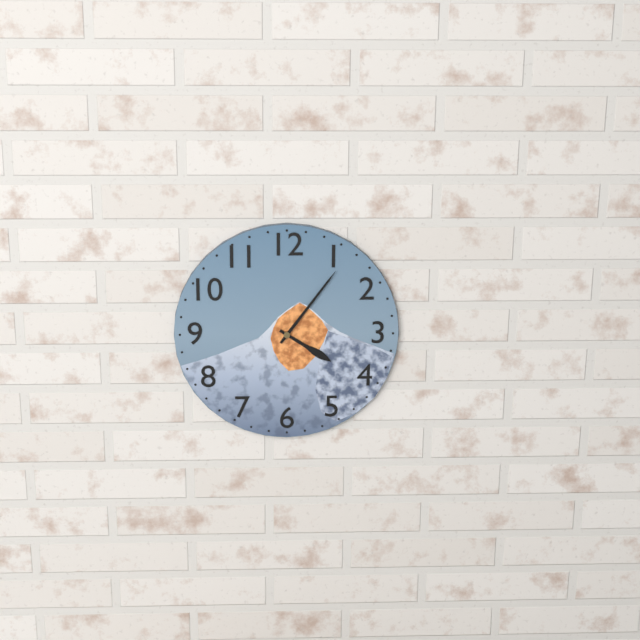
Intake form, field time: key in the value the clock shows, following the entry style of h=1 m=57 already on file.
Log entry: h=4 m=6
